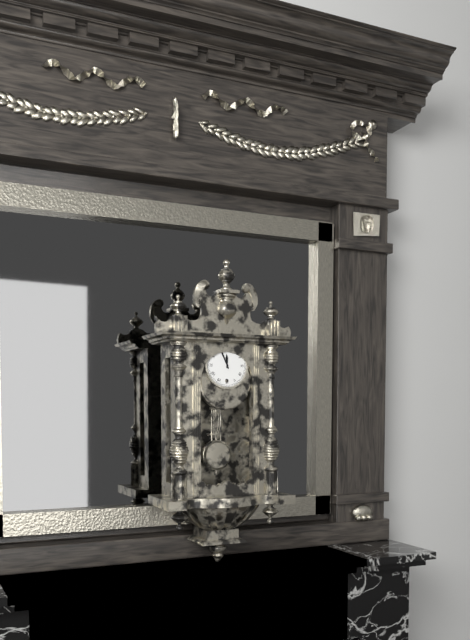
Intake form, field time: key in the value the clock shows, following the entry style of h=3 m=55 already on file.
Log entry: h=11 m=56
